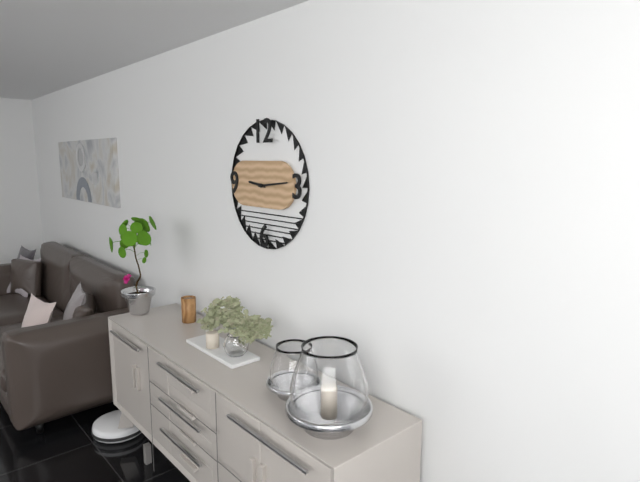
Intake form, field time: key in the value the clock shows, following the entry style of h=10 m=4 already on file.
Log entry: h=9 m=14
